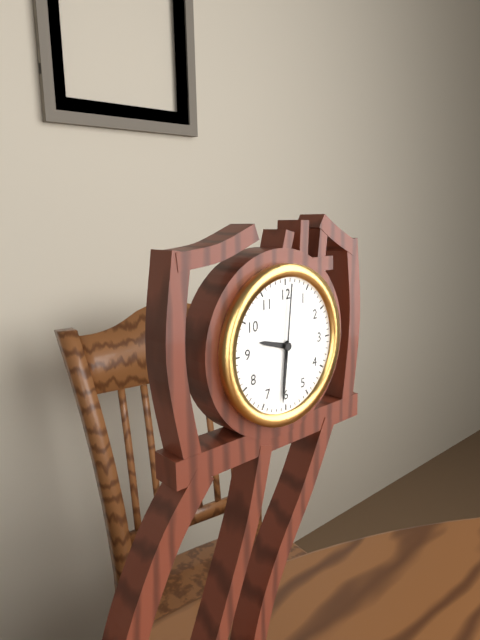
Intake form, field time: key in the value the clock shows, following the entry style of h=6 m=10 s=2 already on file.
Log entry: h=9 m=31 s=1
